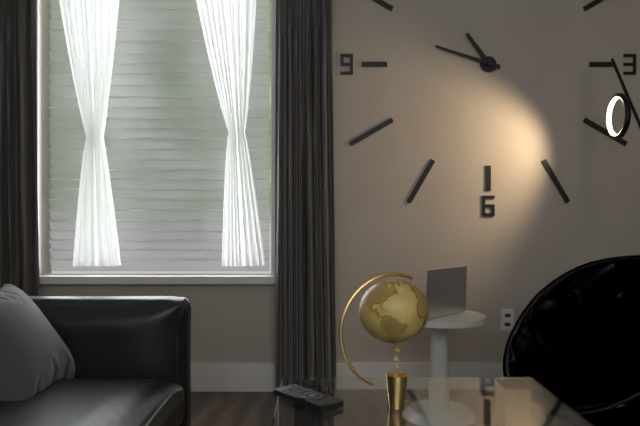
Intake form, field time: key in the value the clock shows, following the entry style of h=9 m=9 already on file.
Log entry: h=10 m=48
